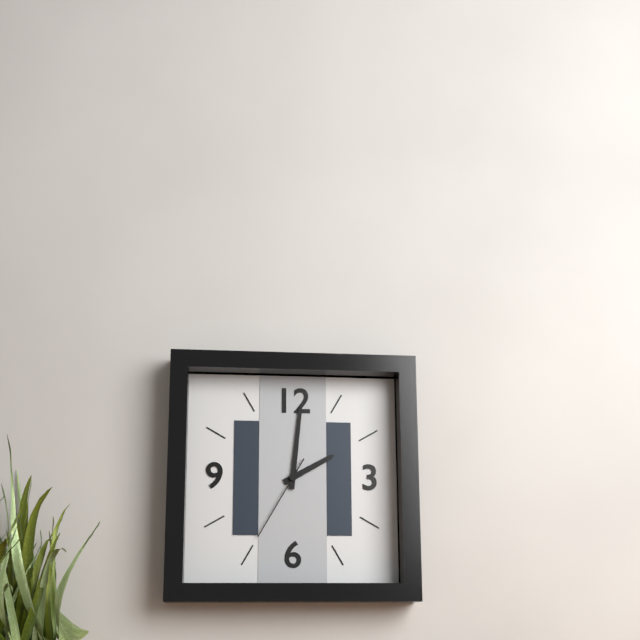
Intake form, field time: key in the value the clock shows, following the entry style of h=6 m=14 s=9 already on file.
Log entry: h=2 m=1 s=35
